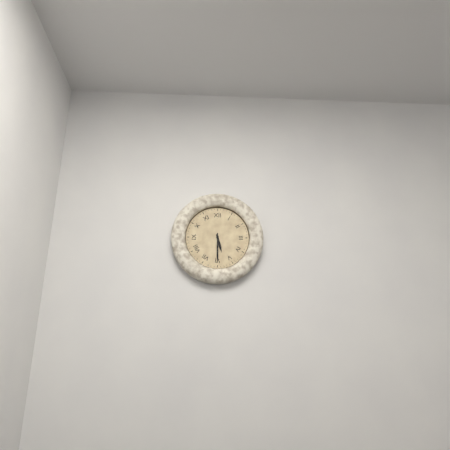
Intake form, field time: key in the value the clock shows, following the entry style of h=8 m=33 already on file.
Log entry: h=5 m=30
